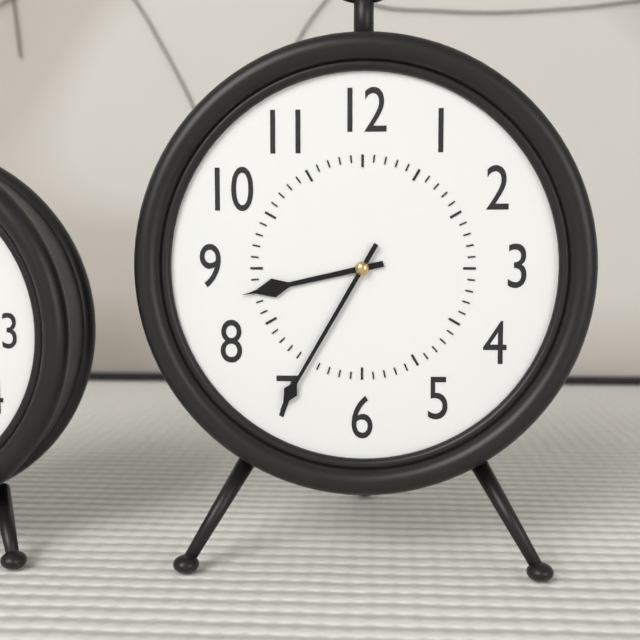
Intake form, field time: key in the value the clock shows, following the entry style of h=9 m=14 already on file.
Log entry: h=8 m=35
